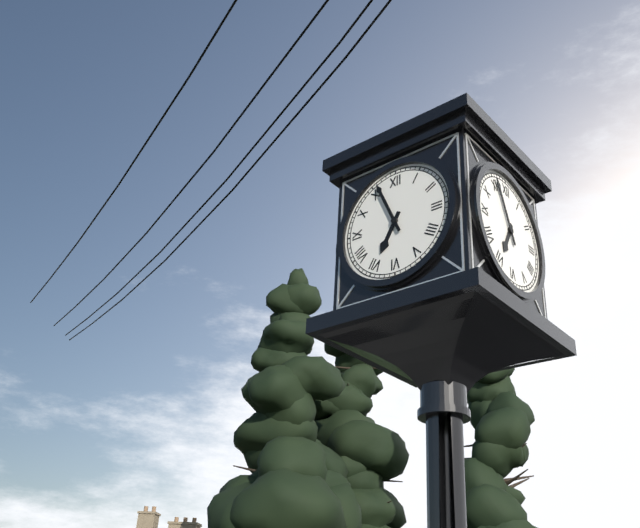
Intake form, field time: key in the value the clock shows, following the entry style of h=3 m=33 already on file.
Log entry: h=6 m=56
